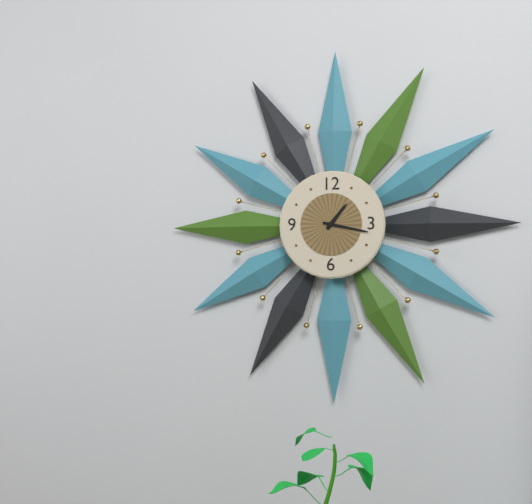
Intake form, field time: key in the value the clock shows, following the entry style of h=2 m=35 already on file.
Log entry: h=1 m=17
